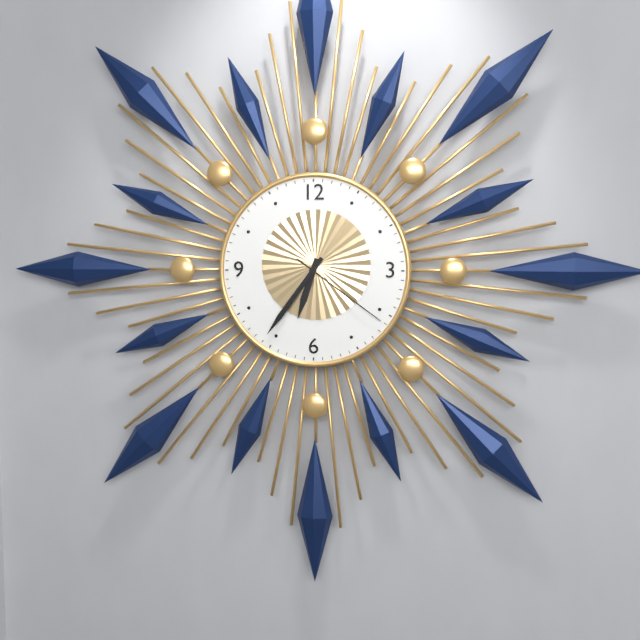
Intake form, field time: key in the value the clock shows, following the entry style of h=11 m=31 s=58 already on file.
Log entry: h=6 m=36 s=21
